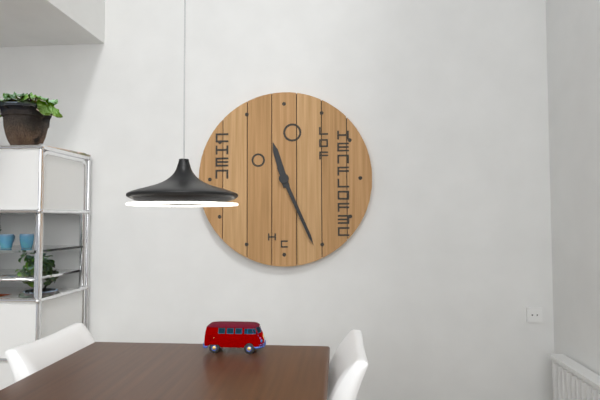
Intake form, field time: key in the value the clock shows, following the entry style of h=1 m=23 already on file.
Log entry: h=11 m=26
